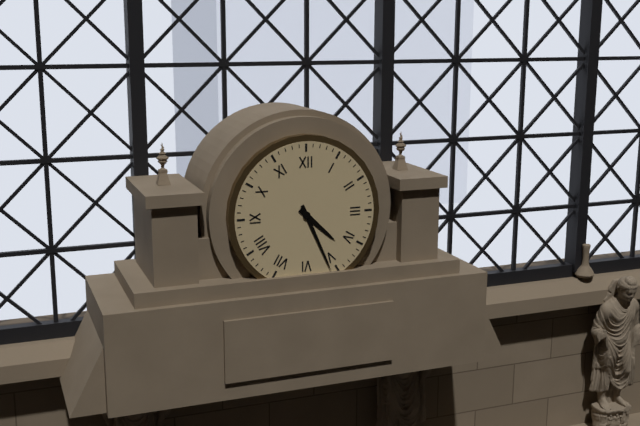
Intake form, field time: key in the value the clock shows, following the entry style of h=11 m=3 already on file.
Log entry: h=4 m=26
